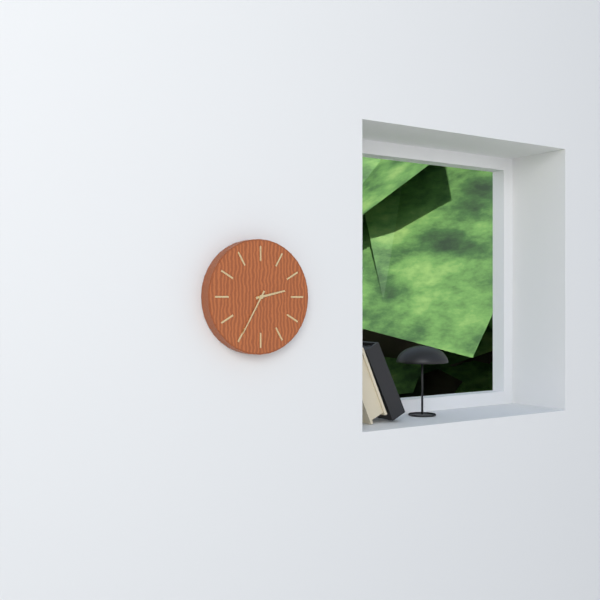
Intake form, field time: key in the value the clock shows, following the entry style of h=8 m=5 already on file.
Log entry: h=2 m=35
